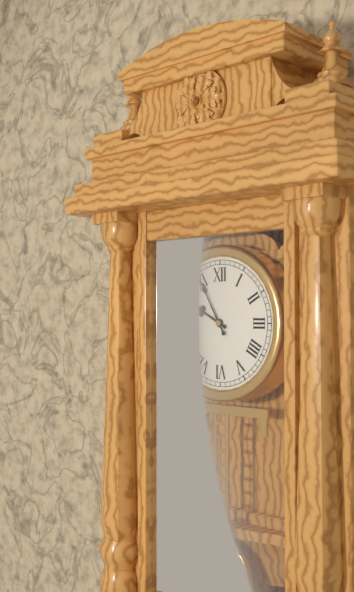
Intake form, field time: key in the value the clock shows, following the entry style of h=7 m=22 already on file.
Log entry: h=9 m=55
